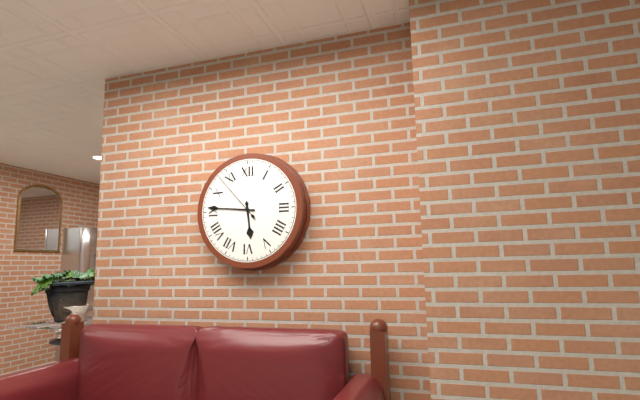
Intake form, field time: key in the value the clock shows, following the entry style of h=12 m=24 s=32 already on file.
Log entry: h=5 m=46 s=53
